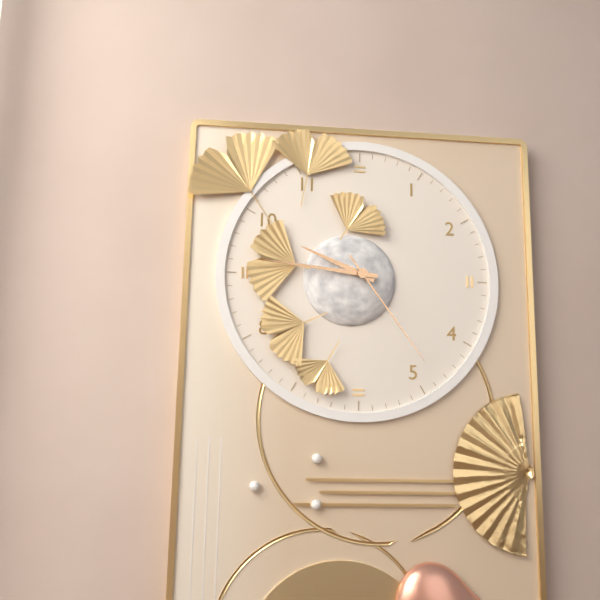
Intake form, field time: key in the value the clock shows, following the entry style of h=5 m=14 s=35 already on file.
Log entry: h=9 m=46 s=24
